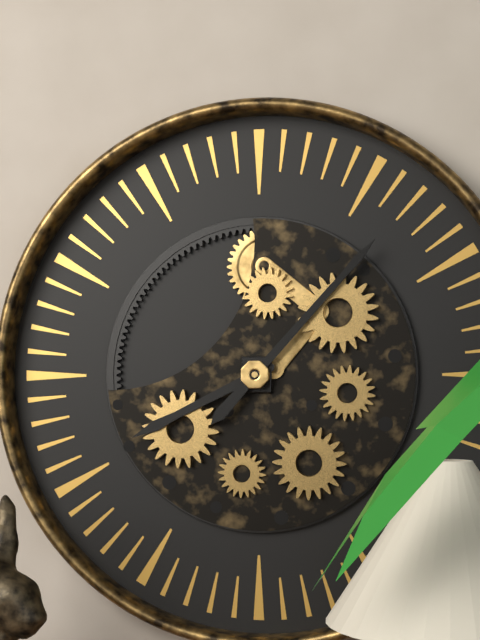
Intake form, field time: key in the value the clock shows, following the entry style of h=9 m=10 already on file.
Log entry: h=8 m=7
